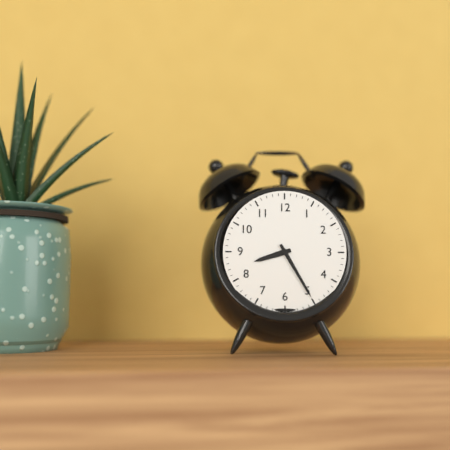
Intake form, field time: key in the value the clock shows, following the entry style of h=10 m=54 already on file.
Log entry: h=8 m=25
